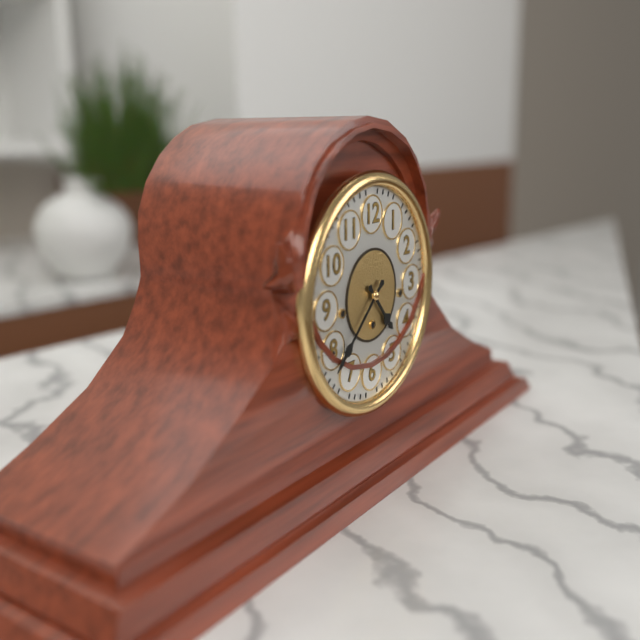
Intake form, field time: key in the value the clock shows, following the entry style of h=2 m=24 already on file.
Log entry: h=4 m=38
